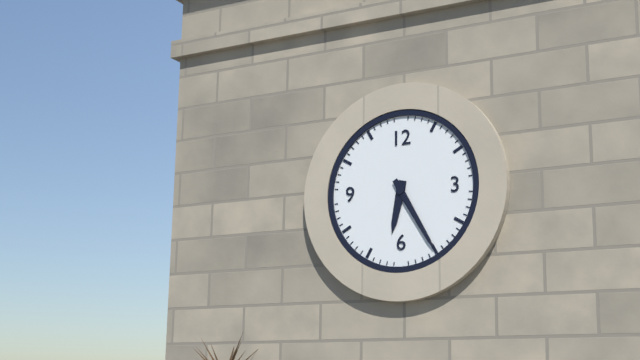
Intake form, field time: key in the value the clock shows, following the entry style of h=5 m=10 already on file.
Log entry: h=6 m=25
